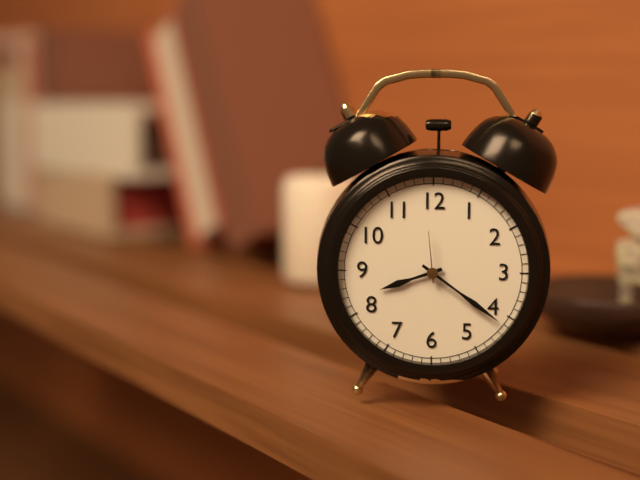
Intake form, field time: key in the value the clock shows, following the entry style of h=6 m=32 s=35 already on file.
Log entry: h=8 m=21 s=59
